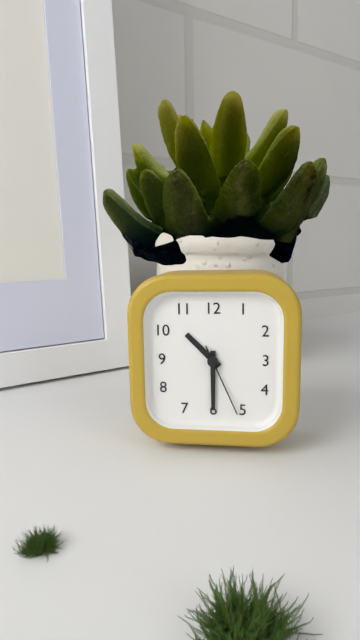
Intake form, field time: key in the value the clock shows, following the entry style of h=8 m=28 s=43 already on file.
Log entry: h=10 m=30 s=26
